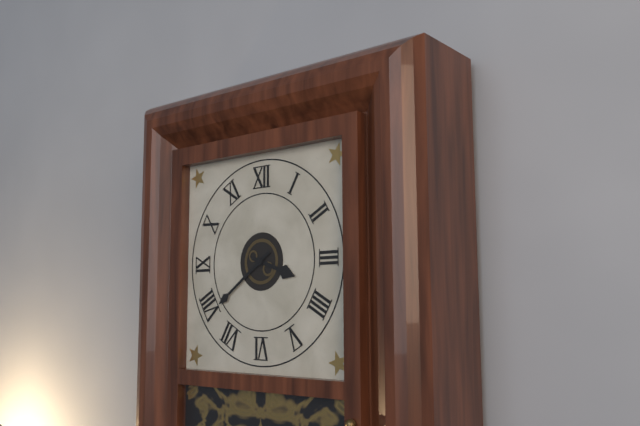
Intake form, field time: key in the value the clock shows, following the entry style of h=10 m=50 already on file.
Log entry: h=3 m=39
